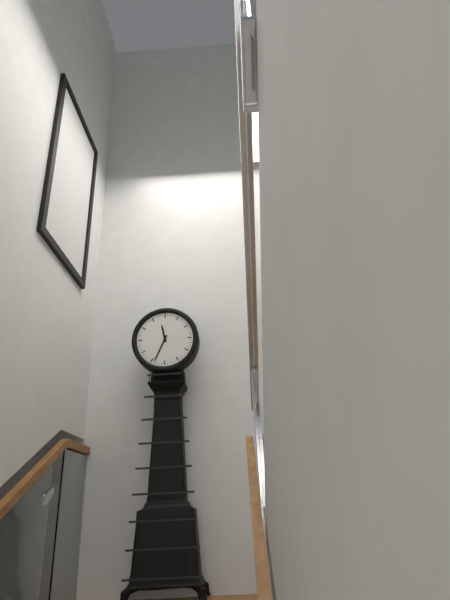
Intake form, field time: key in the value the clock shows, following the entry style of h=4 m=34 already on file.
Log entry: h=11 m=34
